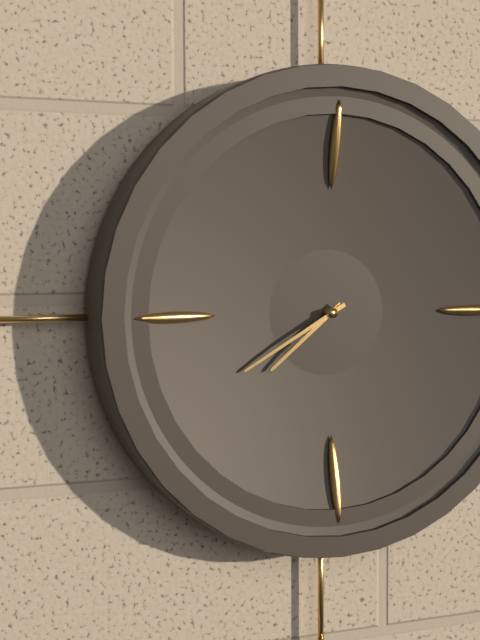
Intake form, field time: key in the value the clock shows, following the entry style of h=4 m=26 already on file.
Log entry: h=7 m=40
